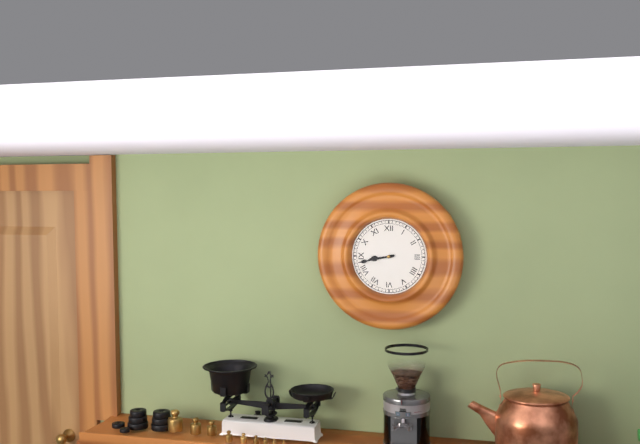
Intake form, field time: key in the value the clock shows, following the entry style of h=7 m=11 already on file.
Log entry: h=8 m=43
